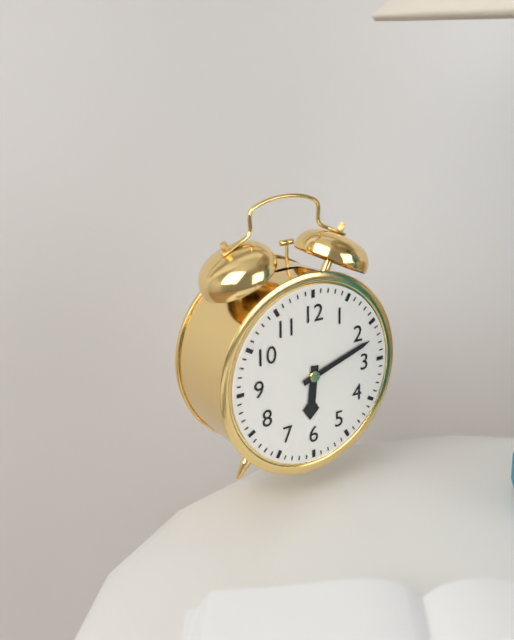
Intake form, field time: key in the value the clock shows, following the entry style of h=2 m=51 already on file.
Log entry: h=6 m=12
